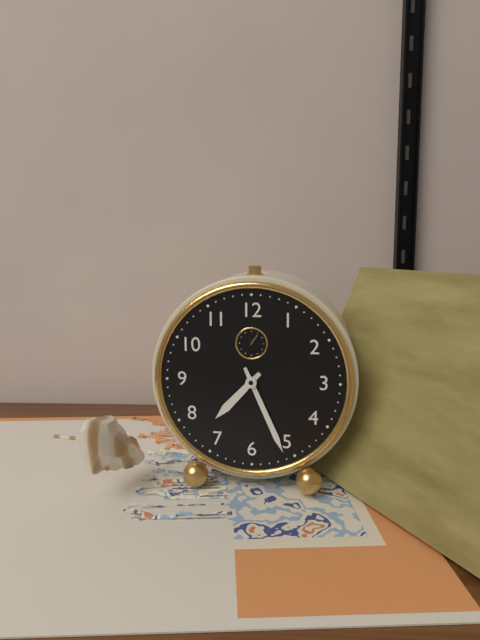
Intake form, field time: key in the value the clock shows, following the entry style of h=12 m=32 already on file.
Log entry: h=7 m=26
